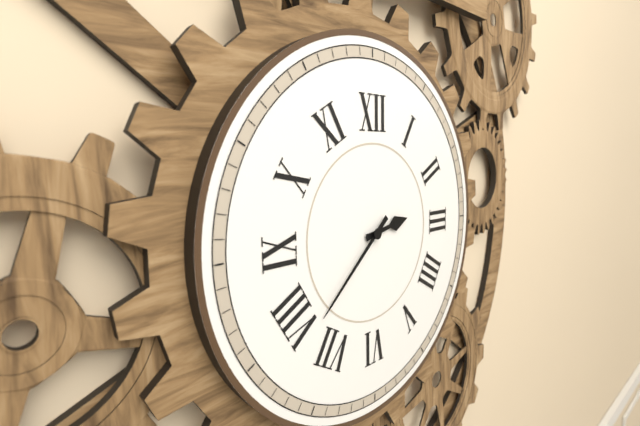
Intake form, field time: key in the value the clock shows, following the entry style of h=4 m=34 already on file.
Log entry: h=2 m=38
